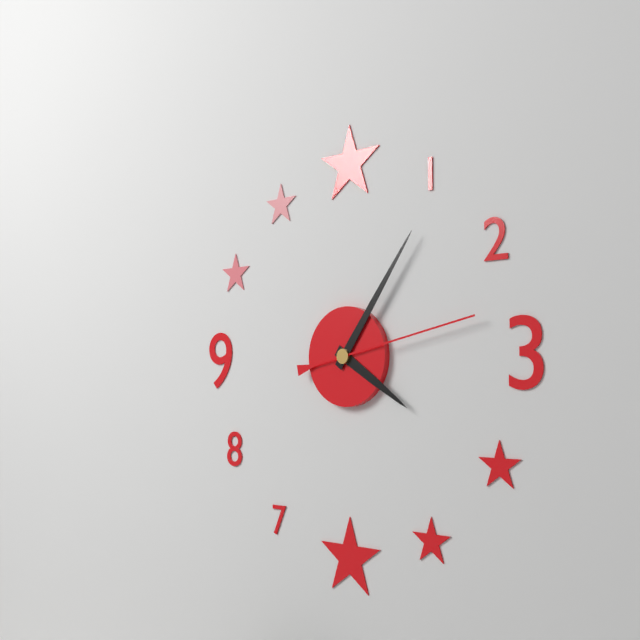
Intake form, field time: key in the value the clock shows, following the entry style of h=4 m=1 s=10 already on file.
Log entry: h=4 m=6 s=13
